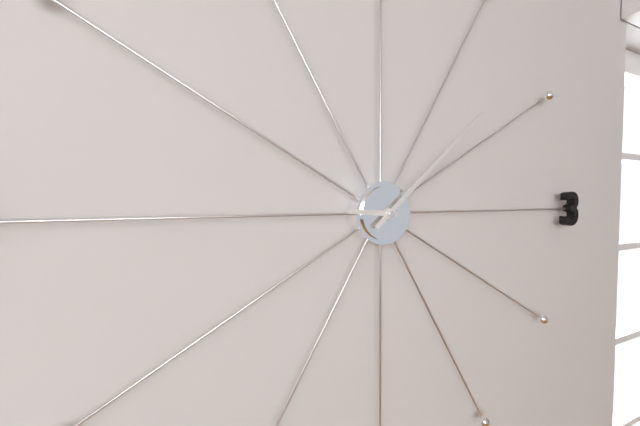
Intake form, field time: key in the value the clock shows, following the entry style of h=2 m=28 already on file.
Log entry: h=9 m=8
